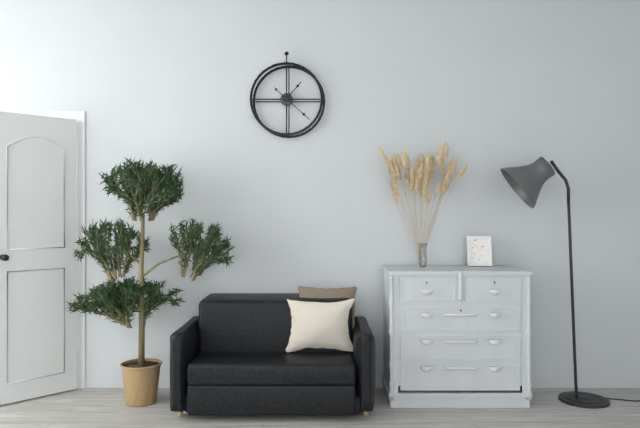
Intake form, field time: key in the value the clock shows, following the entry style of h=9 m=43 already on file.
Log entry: h=1 m=22
